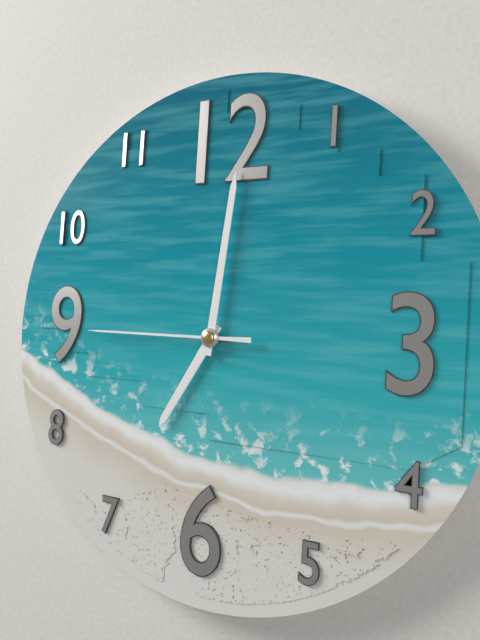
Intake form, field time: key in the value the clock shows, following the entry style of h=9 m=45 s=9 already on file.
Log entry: h=7 m=1 s=45
